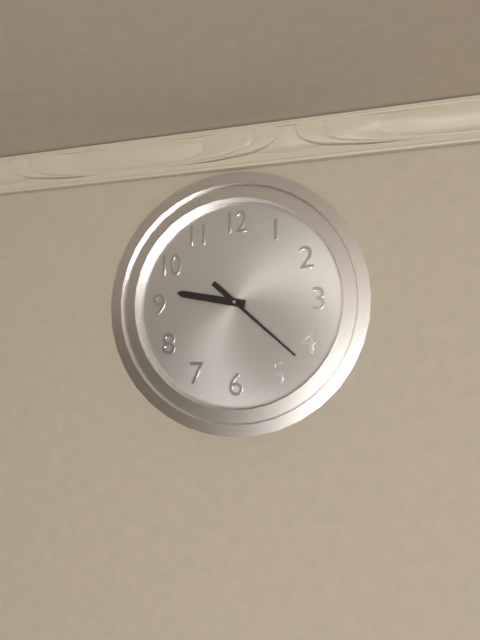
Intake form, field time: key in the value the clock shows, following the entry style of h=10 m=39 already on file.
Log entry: h=9 m=22
